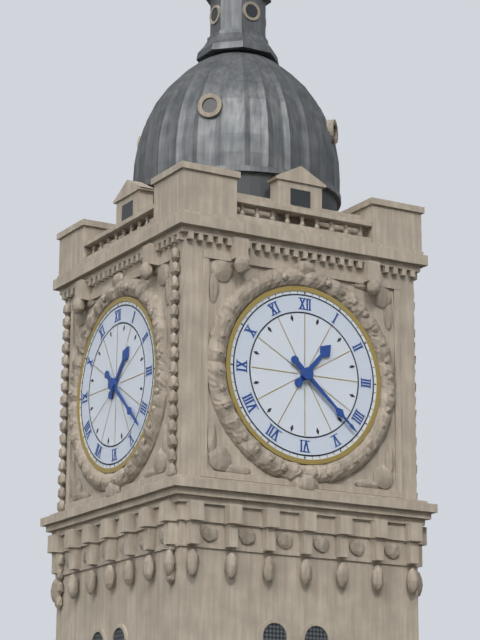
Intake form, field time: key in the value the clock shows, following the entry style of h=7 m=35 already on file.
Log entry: h=1 m=22
